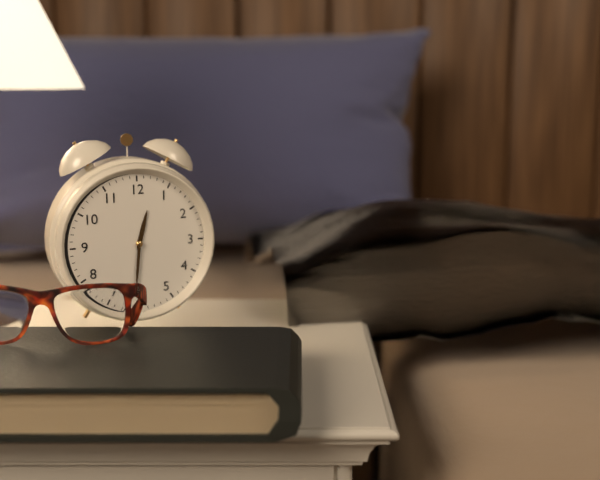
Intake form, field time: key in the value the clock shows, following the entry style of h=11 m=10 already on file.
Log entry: h=12 m=31
